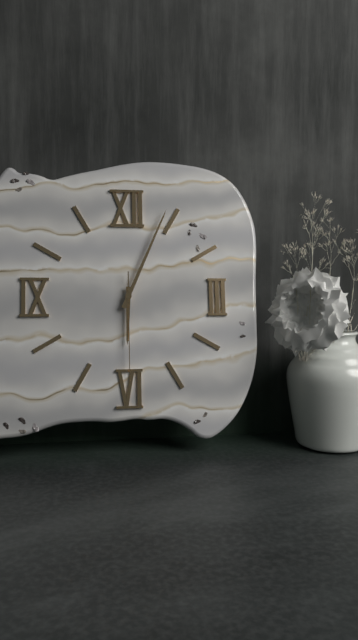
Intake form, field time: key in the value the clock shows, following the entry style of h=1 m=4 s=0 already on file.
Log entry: h=6 m=4 s=30
